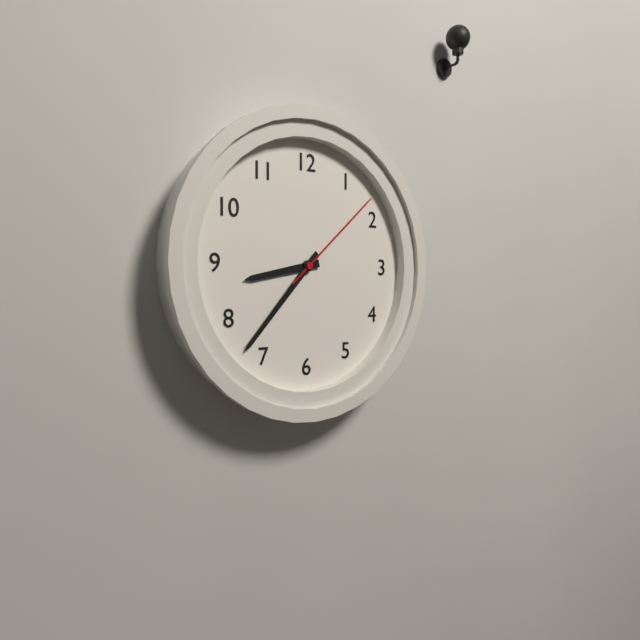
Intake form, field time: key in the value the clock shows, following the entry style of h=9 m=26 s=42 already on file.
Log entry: h=8 m=37 s=8
